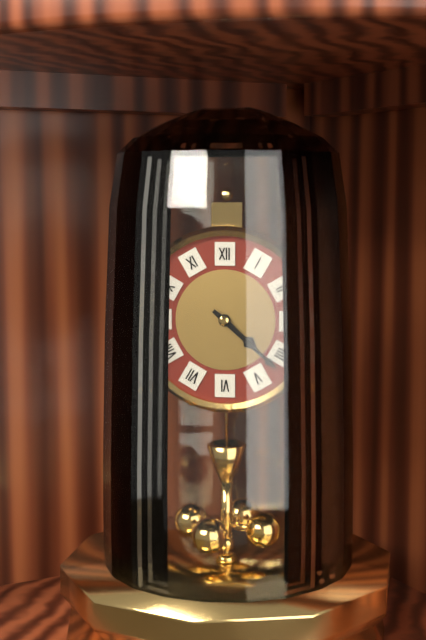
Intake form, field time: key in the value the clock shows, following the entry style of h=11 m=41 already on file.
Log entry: h=4 m=22
